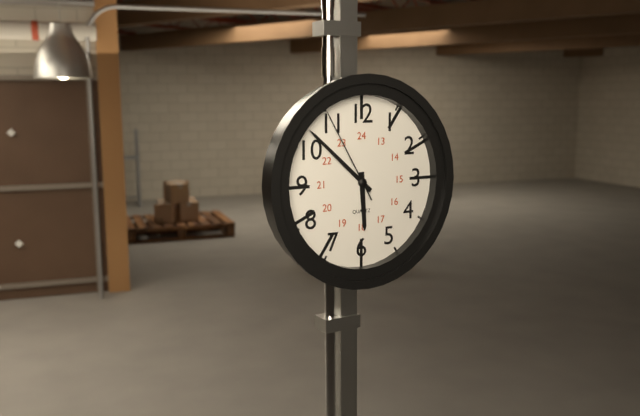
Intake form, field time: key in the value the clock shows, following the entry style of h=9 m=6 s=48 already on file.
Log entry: h=5 m=52 s=55
